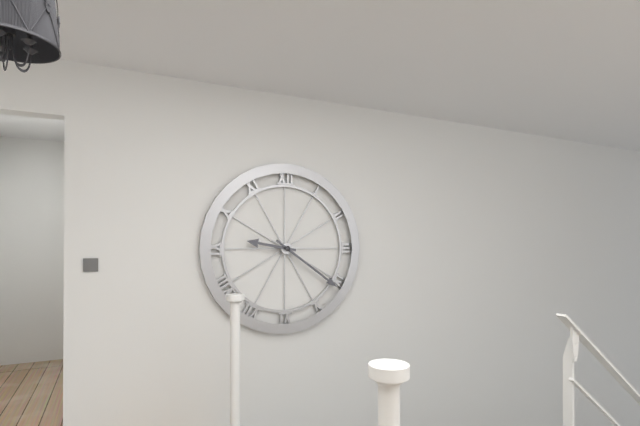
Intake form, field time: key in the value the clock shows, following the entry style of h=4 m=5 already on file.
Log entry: h=9 m=21
